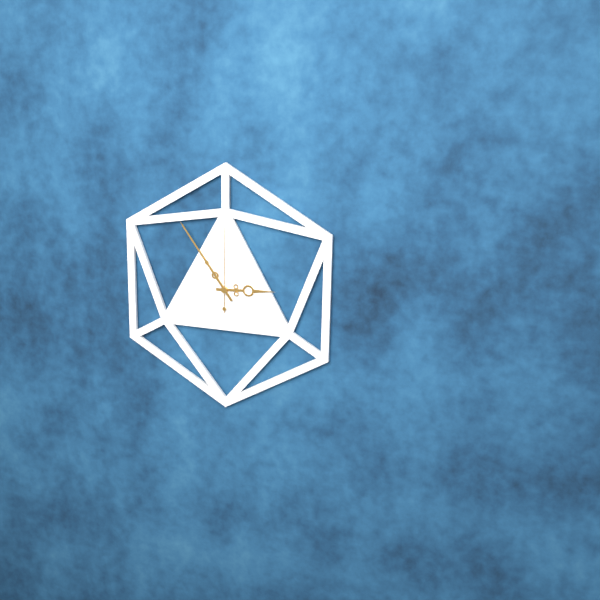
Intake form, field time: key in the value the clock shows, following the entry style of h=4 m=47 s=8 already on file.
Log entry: h=2 m=54 s=0
